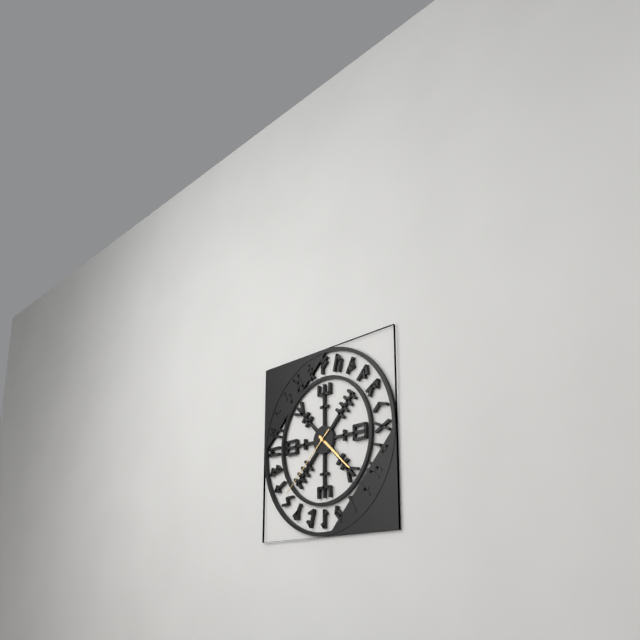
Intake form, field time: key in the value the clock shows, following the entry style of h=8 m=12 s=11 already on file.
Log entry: h=4 m=22 s=38
